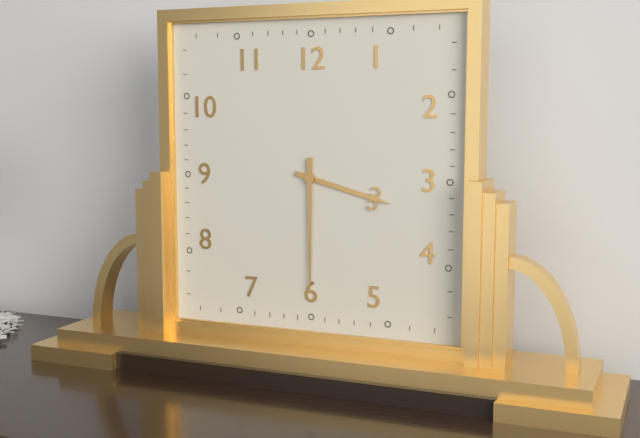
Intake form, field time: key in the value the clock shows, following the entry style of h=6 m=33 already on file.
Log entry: h=3 m=30
